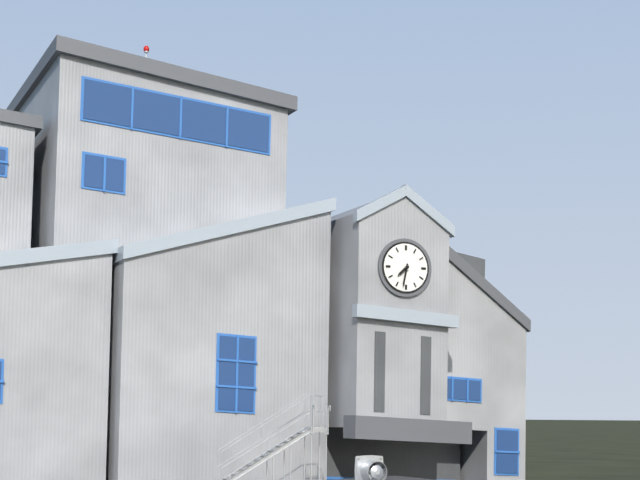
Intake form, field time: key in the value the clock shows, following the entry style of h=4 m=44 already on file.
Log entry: h=7 m=32
